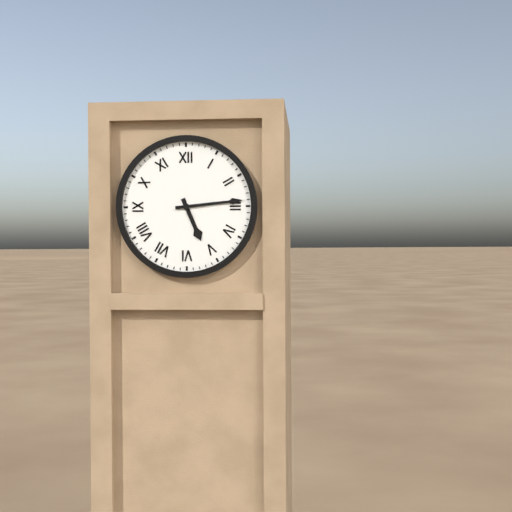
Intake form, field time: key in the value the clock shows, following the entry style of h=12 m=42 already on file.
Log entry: h=5 m=14
